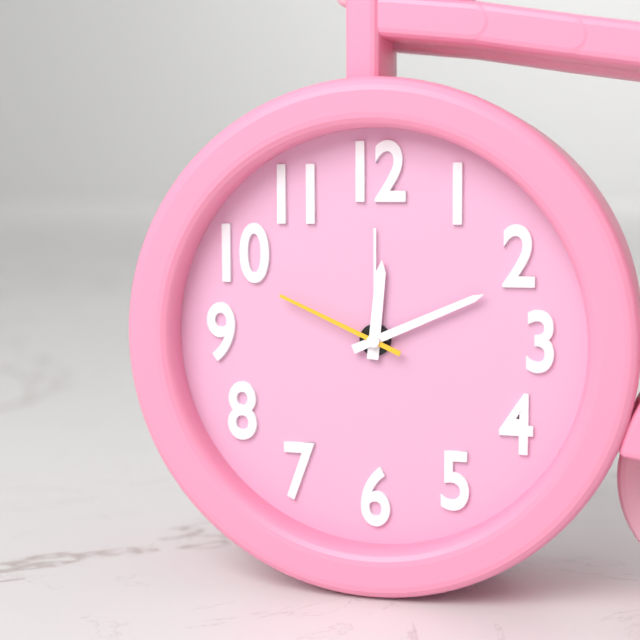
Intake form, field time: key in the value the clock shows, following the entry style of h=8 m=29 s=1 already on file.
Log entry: h=12 m=11 s=49
